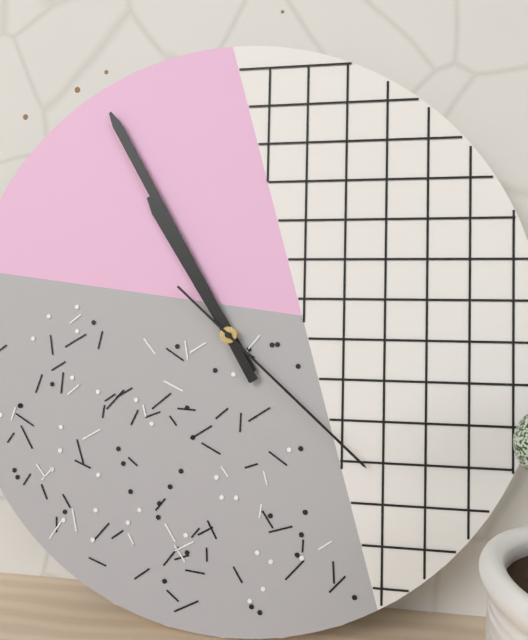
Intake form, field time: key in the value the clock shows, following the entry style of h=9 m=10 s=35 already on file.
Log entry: h=10 m=55 s=22
